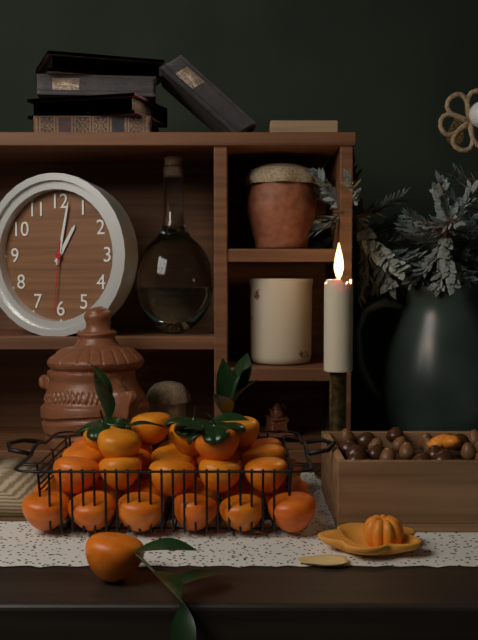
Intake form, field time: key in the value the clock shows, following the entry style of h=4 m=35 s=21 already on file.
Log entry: h=1 m=2 s=31
